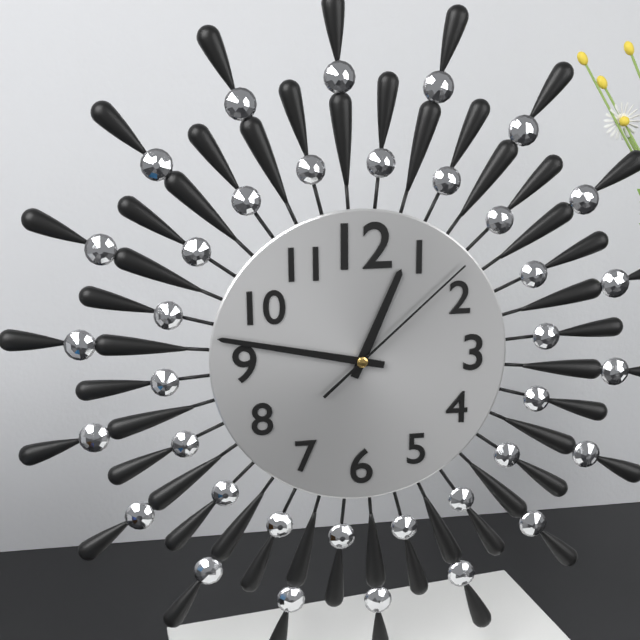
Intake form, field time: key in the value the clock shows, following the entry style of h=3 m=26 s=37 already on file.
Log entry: h=12 m=47 s=8
